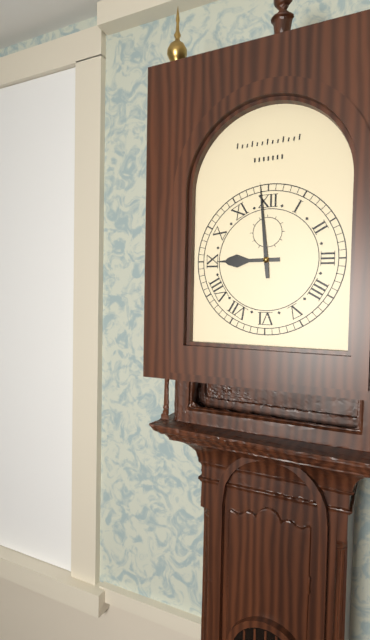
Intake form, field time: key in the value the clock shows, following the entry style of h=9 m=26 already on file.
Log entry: h=8 m=59
